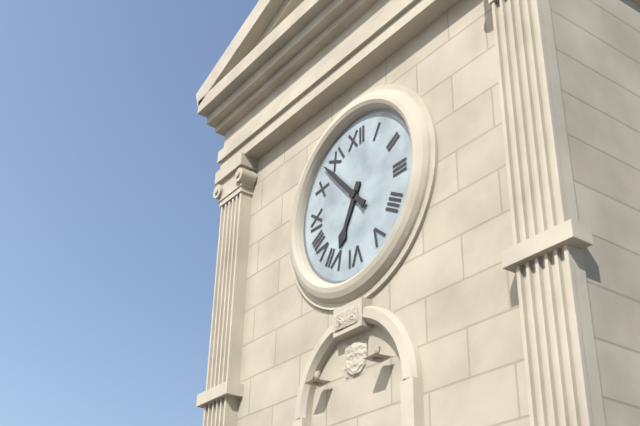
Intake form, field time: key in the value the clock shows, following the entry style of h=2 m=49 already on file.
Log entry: h=6 m=53
